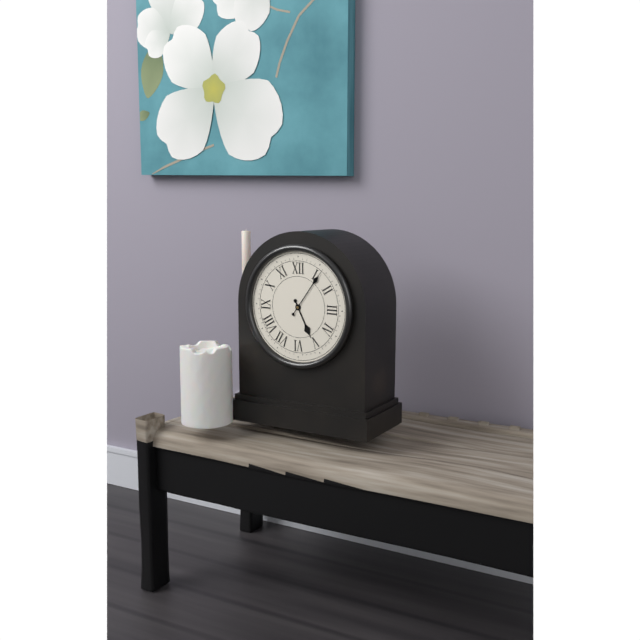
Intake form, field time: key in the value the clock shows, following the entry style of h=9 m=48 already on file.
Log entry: h=5 m=6
